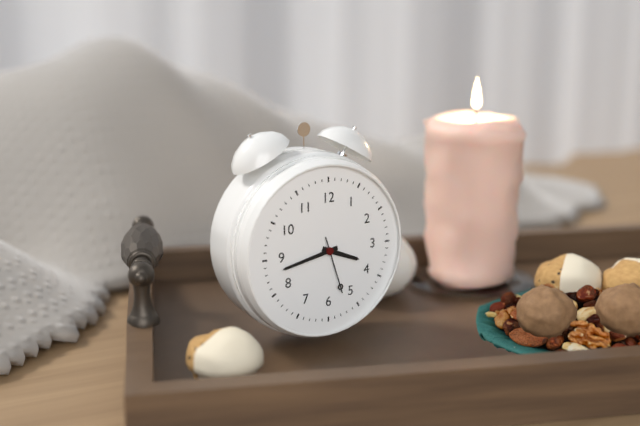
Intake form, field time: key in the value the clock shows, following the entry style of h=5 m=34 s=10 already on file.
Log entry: h=3 m=43 s=27
